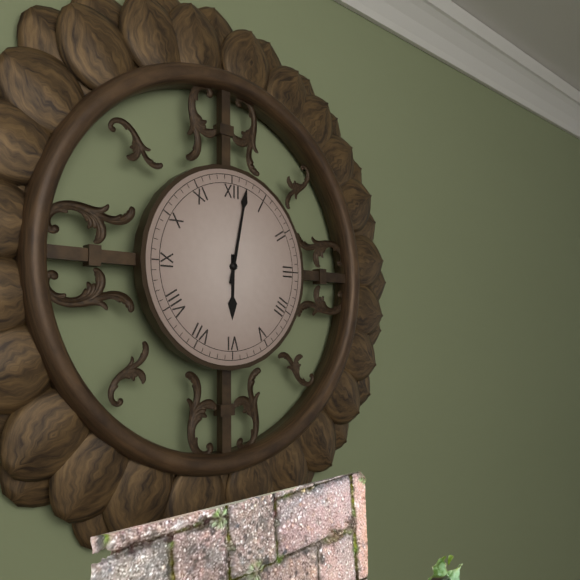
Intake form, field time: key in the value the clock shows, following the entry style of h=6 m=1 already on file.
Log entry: h=6 m=2
